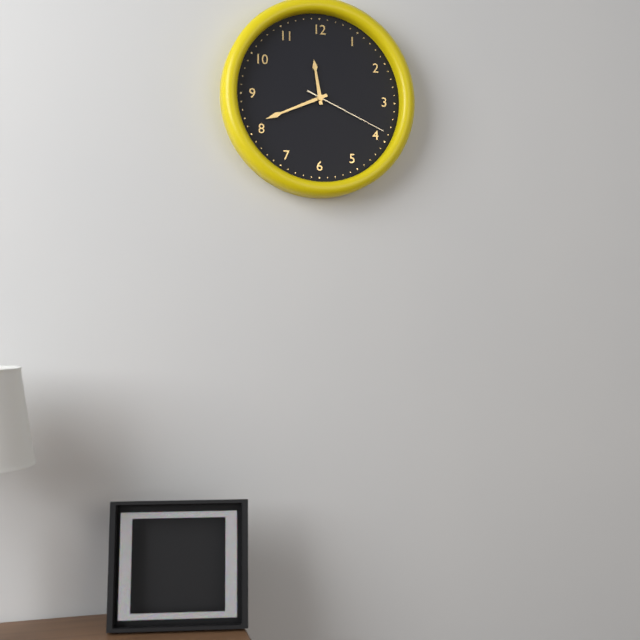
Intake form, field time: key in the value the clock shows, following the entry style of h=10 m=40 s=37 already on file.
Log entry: h=11 m=41 s=19
